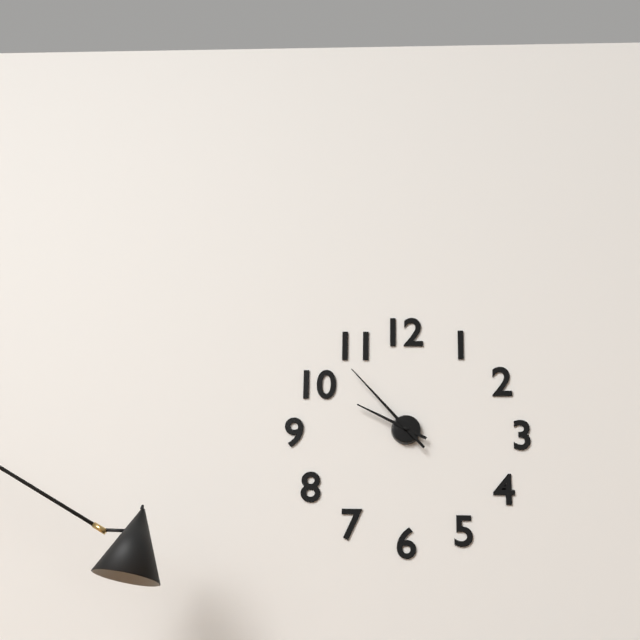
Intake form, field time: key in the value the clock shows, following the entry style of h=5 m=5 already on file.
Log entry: h=9 m=53
